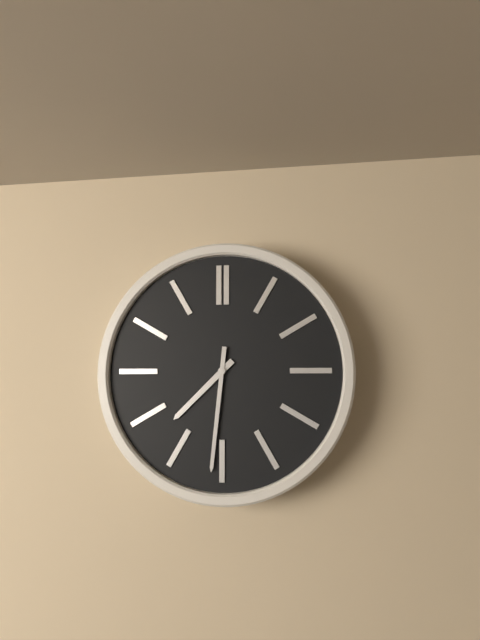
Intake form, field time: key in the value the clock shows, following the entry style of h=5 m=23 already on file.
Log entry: h=7 m=31
